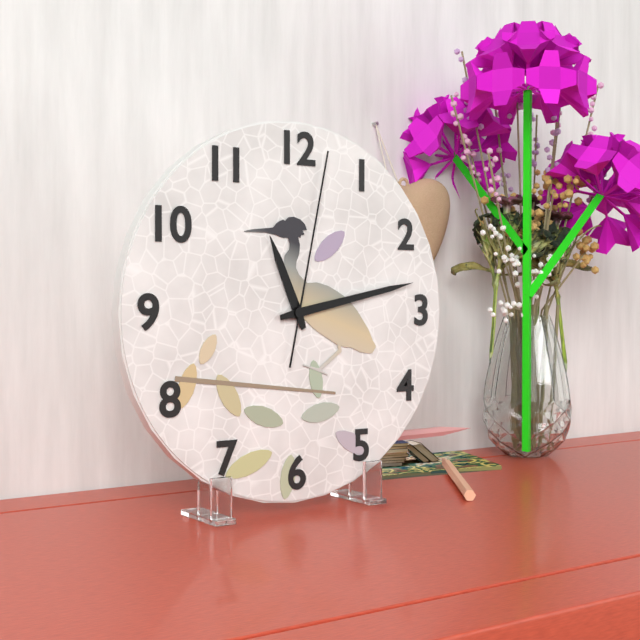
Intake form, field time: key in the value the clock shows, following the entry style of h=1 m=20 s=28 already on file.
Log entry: h=11 m=13 s=2
